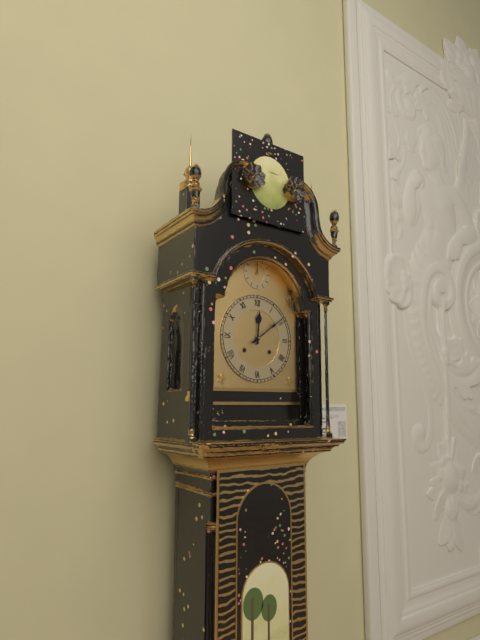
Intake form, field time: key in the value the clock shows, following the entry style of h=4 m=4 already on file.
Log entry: h=12 m=9
